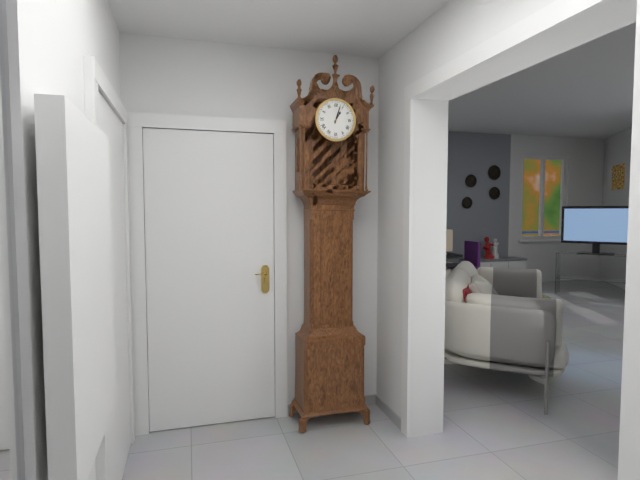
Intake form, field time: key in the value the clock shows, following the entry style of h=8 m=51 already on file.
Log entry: h=1 m=3
